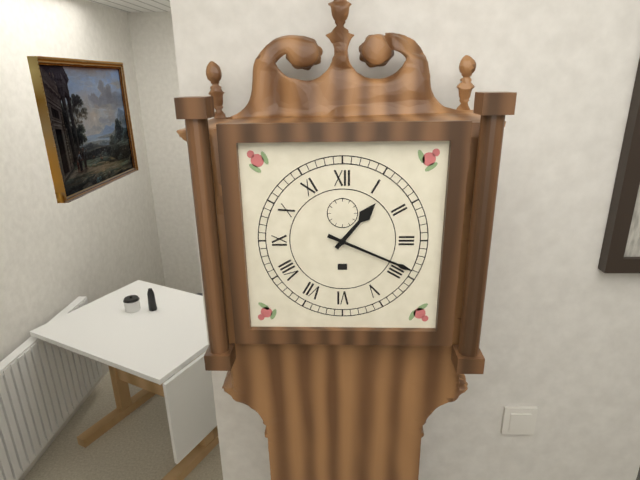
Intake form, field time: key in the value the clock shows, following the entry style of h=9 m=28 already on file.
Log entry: h=1 m=19
